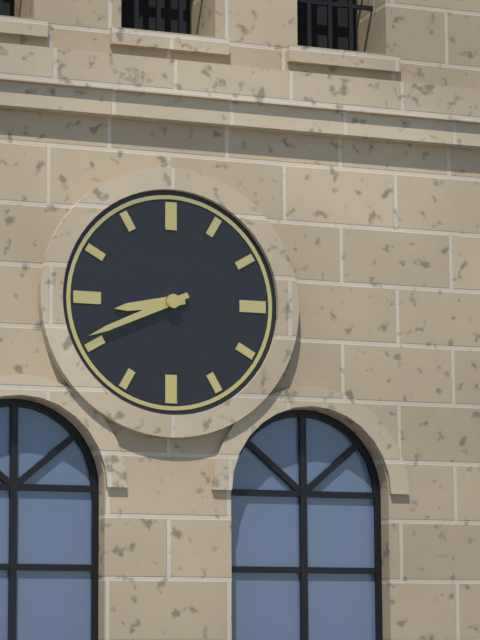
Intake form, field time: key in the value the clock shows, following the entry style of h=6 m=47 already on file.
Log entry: h=8 m=41
